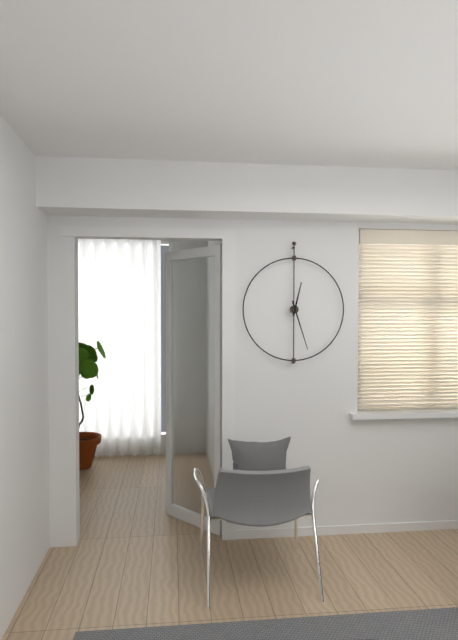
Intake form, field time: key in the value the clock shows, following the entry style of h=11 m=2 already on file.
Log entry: h=12 m=27
